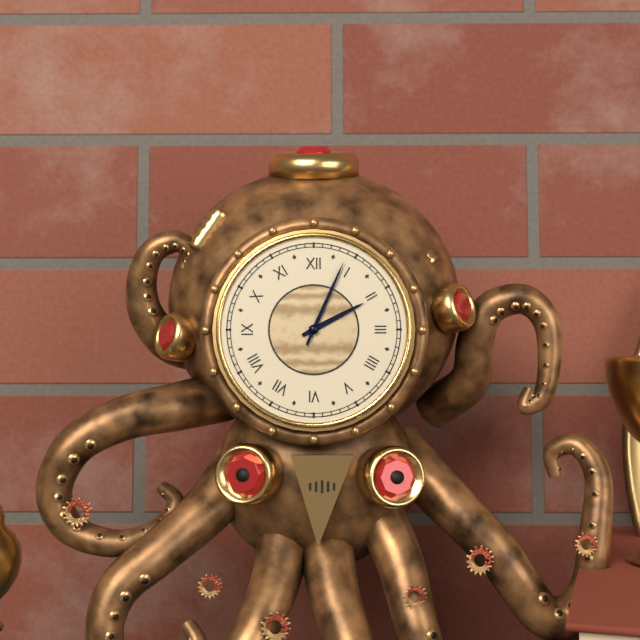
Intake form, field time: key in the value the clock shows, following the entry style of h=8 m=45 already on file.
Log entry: h=2 m=4
